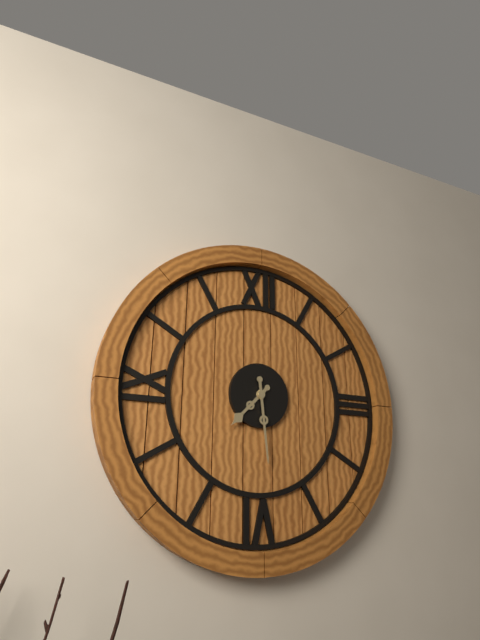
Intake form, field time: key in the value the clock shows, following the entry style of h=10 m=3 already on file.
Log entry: h=7 m=29
